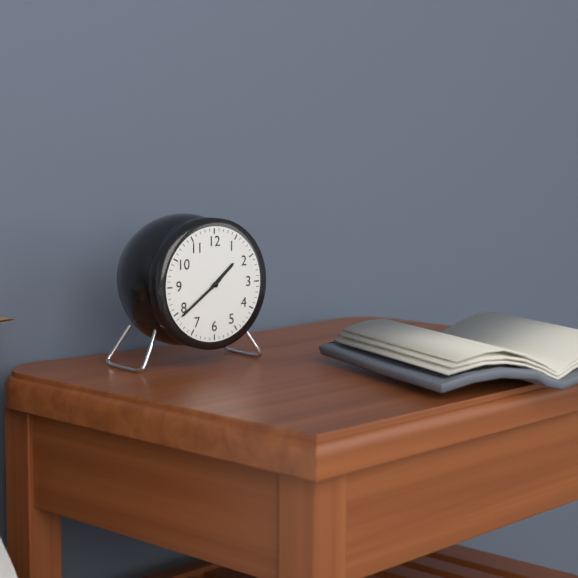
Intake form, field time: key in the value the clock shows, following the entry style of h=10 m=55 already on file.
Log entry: h=1 m=39
